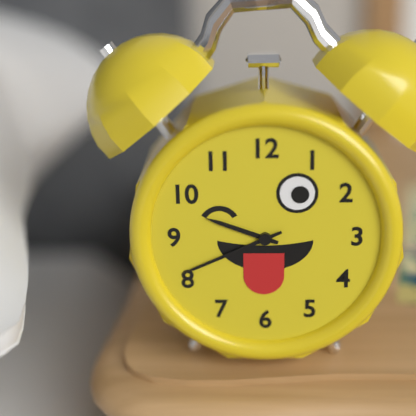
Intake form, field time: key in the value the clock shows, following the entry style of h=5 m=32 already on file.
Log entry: h=9 m=41
